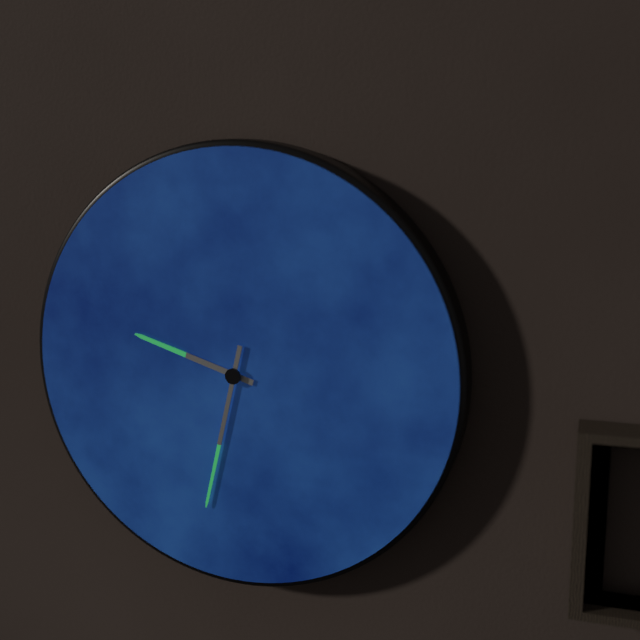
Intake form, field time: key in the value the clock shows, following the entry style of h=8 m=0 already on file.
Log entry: h=9 m=32
